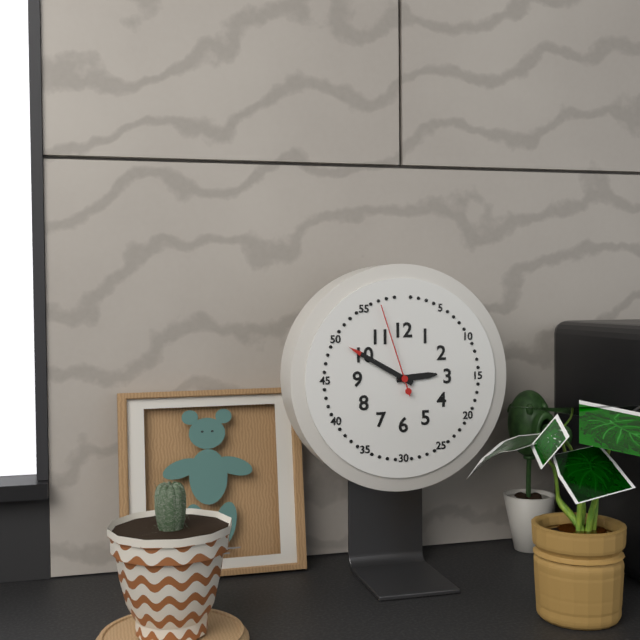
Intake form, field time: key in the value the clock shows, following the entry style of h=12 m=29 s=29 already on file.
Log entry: h=2 m=50 s=57
